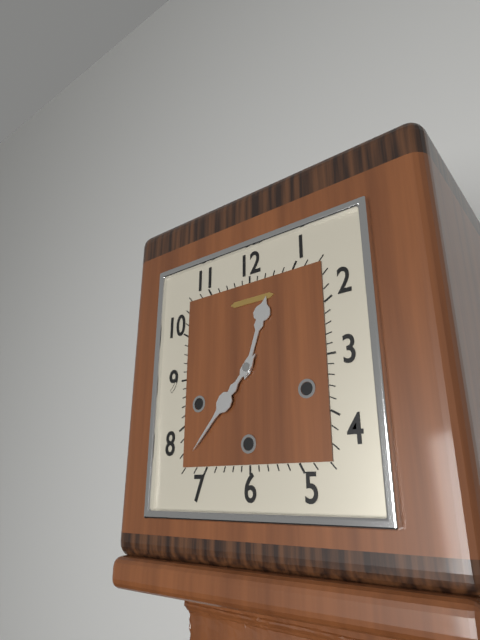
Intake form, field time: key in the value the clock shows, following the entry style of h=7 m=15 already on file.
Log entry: h=12 m=37
